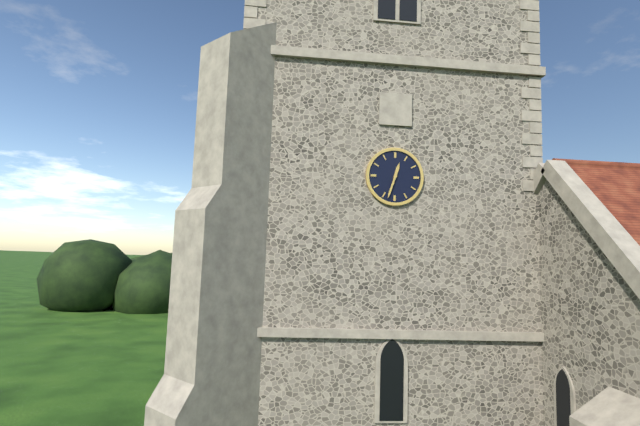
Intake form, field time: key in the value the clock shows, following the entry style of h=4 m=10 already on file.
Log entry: h=12 m=33
